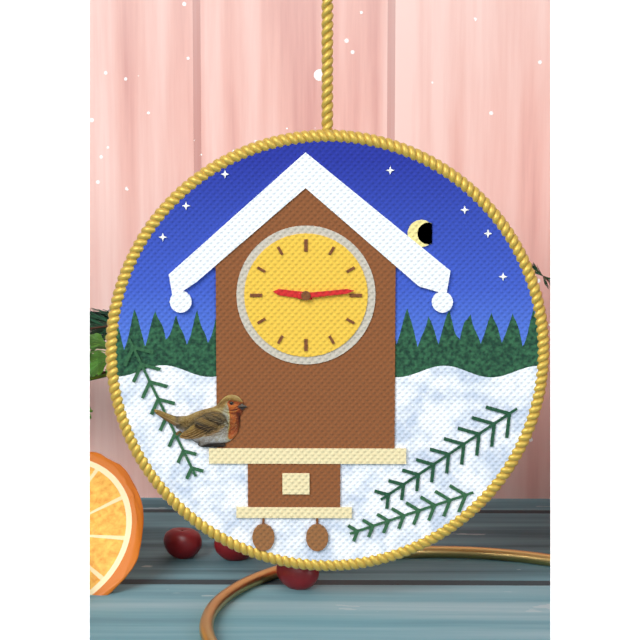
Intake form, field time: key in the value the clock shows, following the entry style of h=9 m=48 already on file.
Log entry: h=9 m=14
